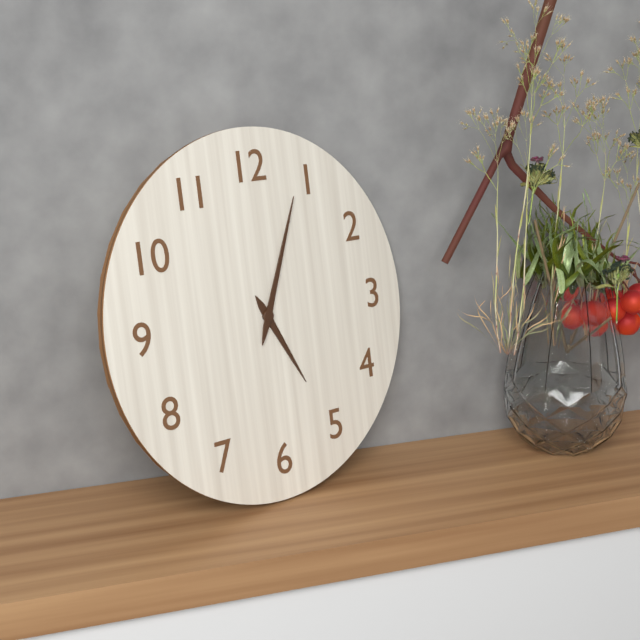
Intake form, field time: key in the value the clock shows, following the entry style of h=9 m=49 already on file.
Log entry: h=5 m=4
